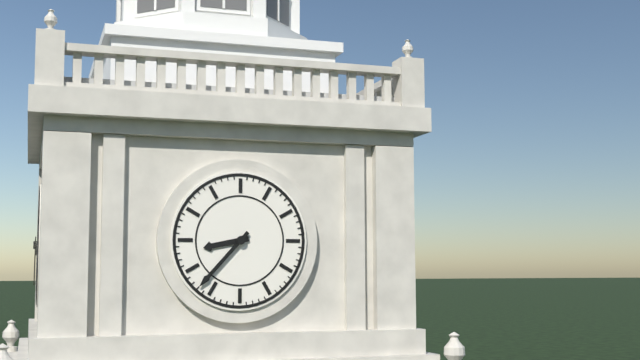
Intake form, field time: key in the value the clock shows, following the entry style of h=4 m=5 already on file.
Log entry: h=8 m=37
